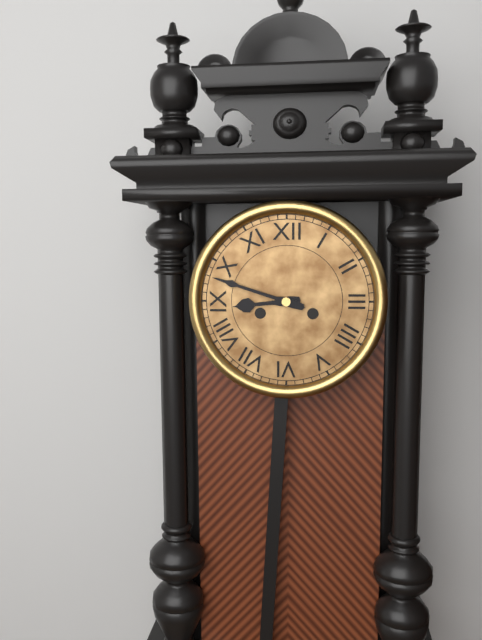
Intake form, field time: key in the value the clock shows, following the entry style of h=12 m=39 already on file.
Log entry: h=8 m=48
